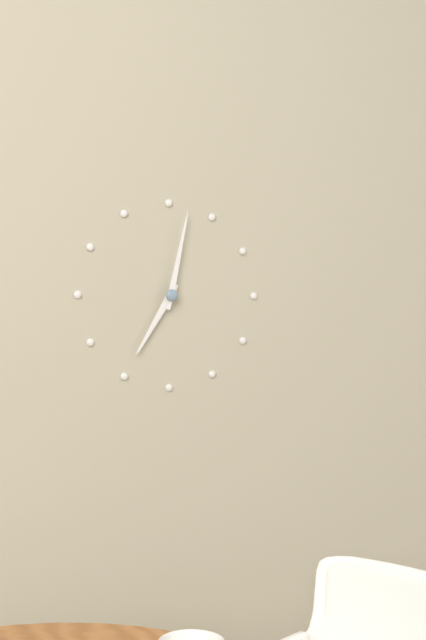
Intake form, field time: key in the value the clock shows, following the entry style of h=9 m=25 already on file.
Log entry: h=7 m=2
